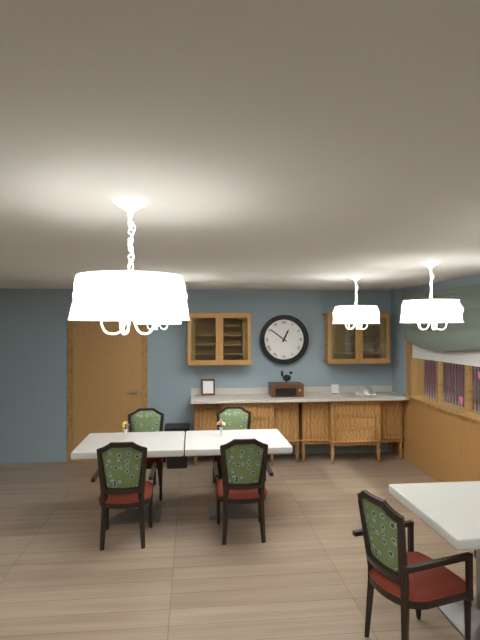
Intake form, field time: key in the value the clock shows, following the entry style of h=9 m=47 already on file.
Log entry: h=12 m=51
